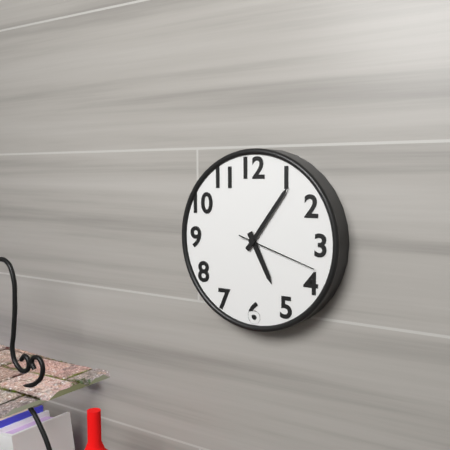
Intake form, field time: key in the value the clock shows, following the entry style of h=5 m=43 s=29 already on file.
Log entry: h=5 m=6 s=18
